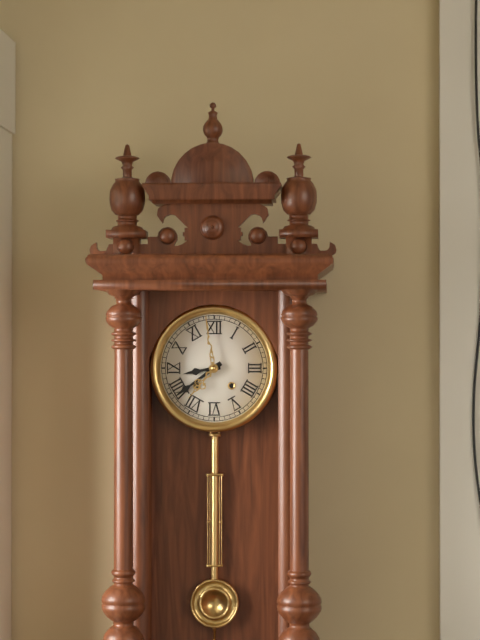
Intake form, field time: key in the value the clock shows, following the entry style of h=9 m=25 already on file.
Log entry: h=8 m=39
